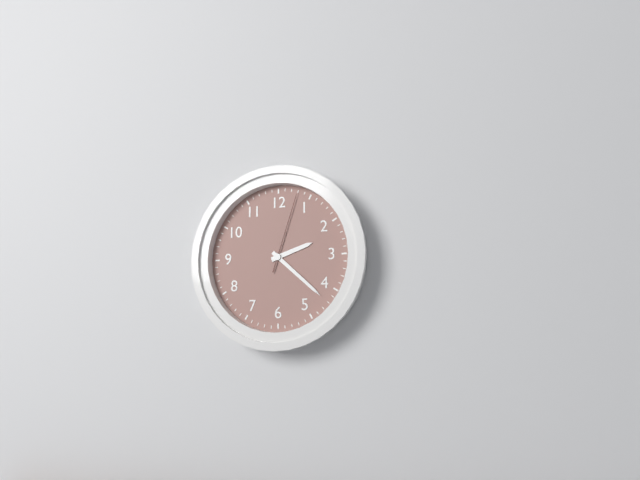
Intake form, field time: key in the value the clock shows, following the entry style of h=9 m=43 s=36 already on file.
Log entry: h=2 m=22 s=3
